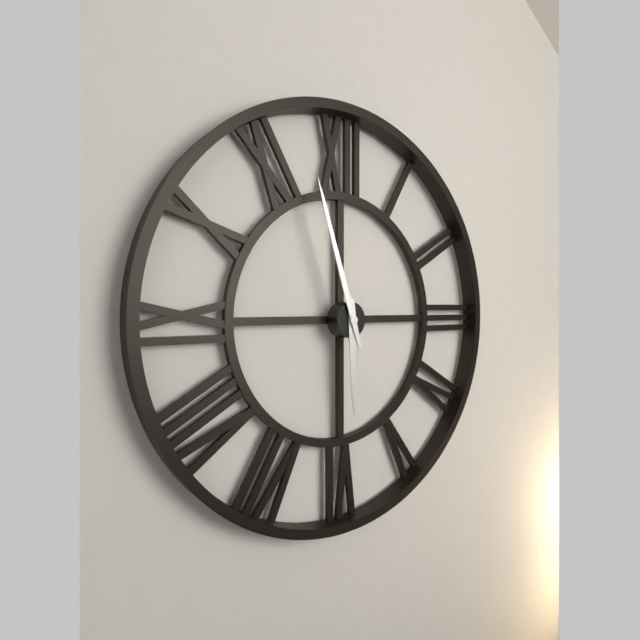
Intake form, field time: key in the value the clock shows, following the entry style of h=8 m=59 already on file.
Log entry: h=5 m=57
